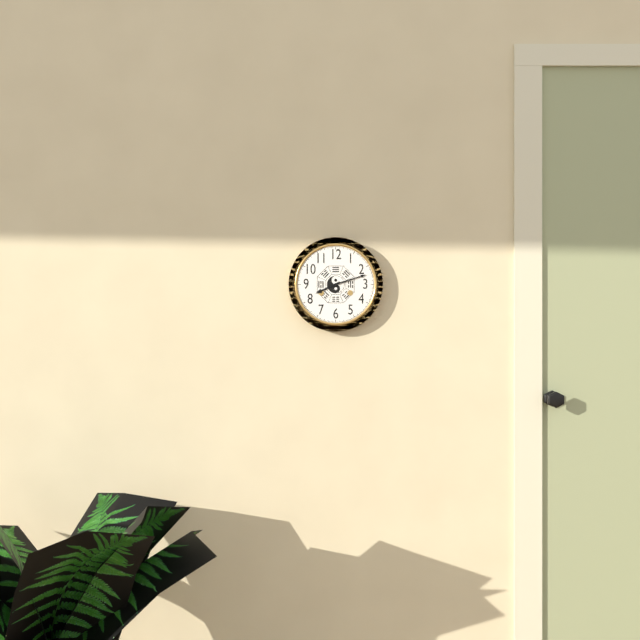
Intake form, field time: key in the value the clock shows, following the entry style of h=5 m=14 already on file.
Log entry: h=8 m=12
